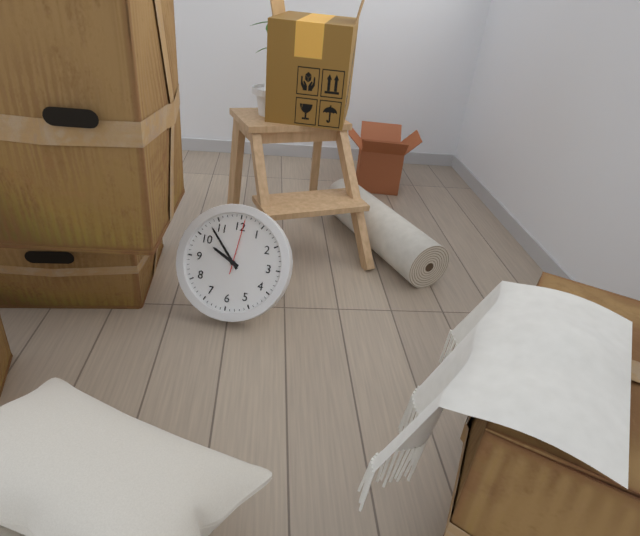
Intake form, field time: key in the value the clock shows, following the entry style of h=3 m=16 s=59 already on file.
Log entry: h=9 m=53 s=1
